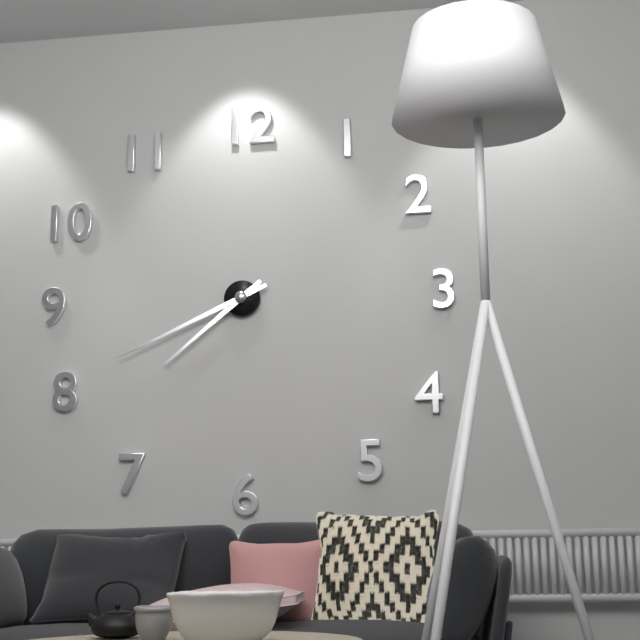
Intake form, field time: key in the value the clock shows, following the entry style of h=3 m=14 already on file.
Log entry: h=7 m=41
